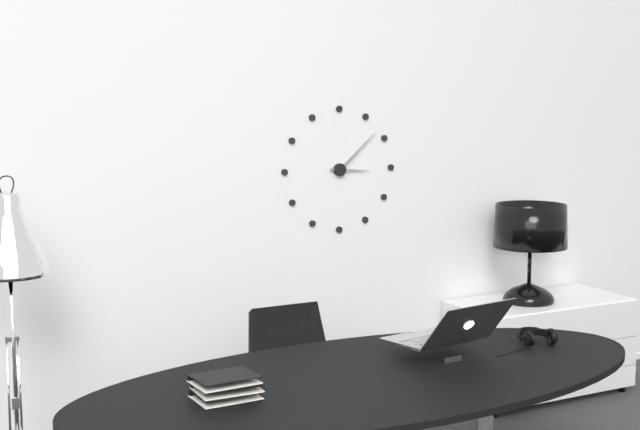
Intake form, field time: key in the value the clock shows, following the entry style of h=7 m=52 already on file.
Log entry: h=3 m=8
